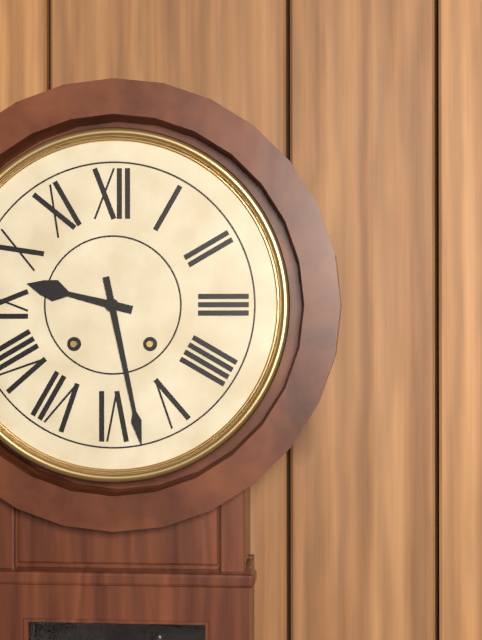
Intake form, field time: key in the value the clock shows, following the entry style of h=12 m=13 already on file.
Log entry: h=9 m=28
